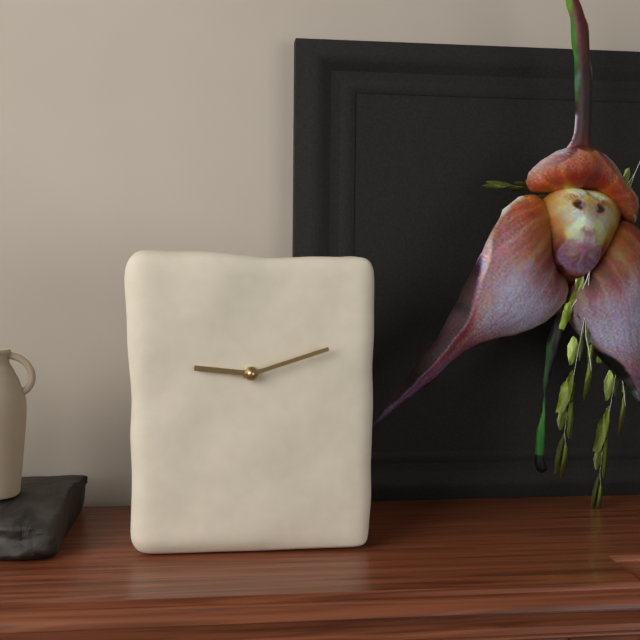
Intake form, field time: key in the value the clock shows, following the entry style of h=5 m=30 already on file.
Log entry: h=9 m=12
